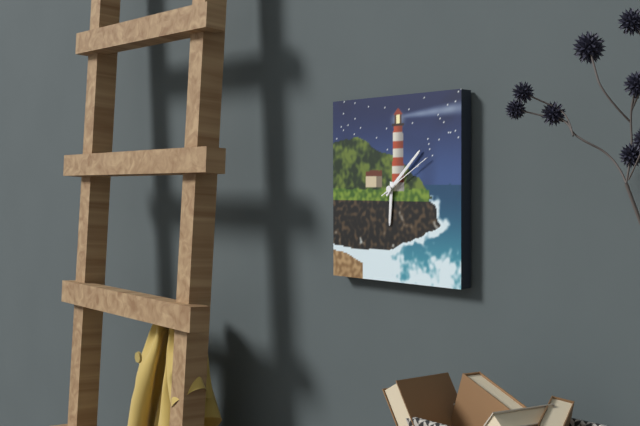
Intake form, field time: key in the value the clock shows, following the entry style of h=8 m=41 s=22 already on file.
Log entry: h=6 m=8 s=10
